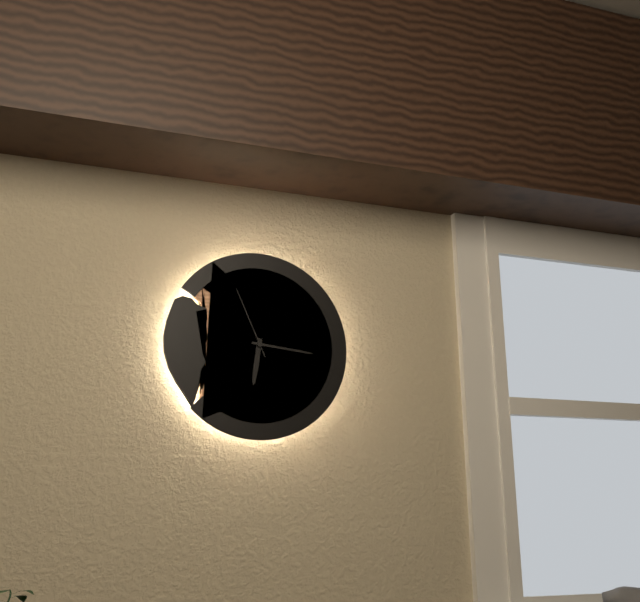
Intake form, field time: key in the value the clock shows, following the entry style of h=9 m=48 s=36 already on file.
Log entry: h=6 m=16 s=56
